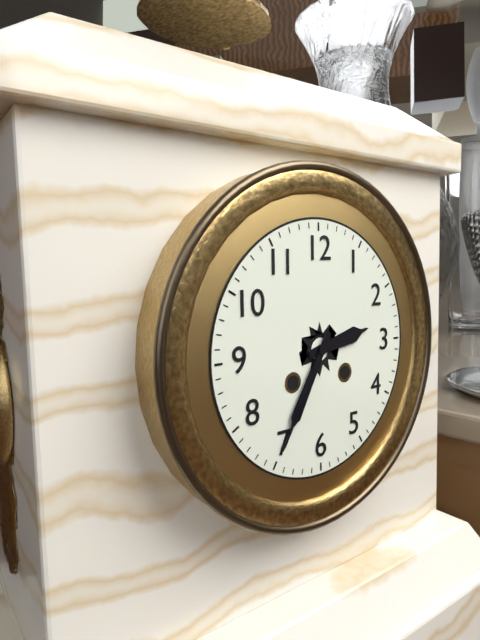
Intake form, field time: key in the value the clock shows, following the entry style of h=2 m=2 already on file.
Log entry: h=2 m=35
